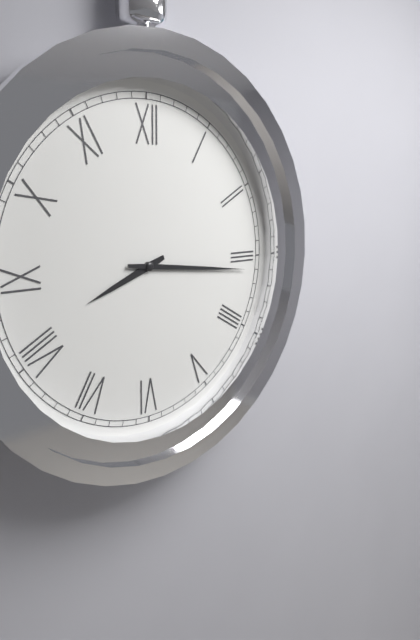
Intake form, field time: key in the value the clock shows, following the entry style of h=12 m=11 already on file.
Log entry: h=8 m=16
